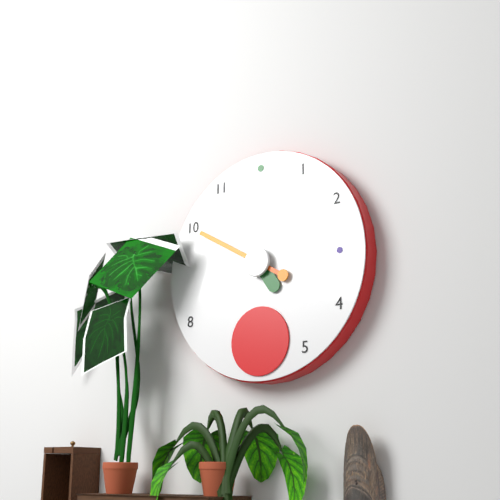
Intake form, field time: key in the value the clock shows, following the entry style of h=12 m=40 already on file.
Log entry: h=4 m=50
